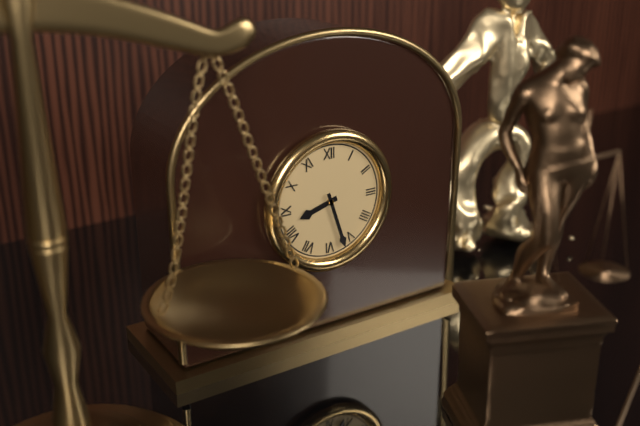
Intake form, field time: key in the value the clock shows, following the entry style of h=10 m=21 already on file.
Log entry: h=8 m=27
